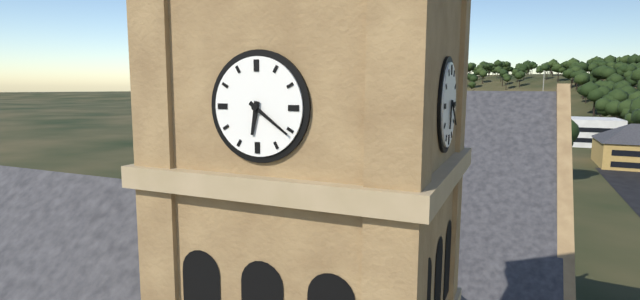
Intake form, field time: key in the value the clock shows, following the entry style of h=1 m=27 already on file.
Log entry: h=6 m=21
